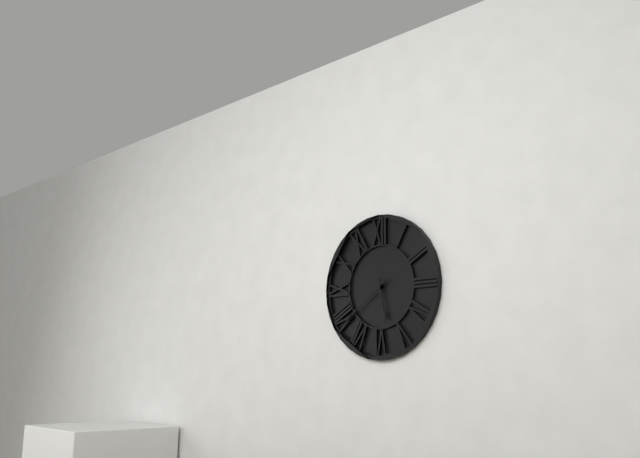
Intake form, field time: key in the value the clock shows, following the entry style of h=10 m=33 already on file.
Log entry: h=5 m=39
